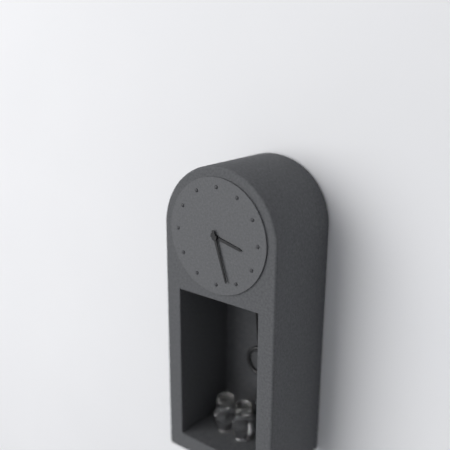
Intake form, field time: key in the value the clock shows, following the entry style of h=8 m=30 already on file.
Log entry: h=3 m=27
